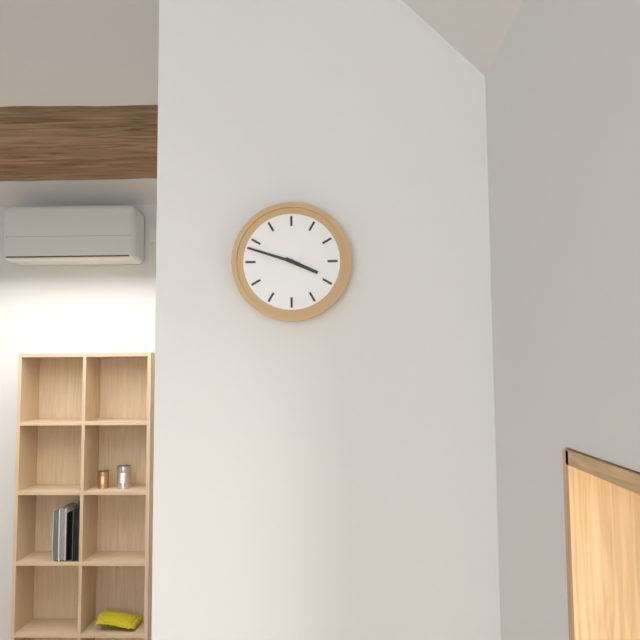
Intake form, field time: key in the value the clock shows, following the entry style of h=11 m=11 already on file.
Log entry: h=3 m=48
